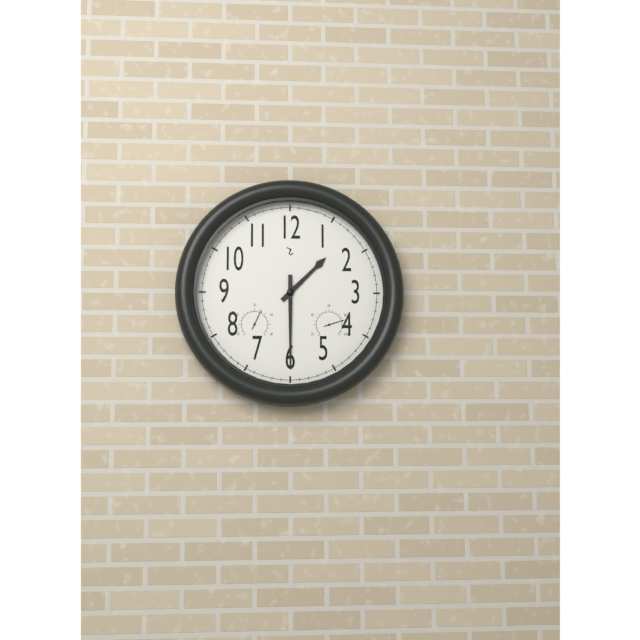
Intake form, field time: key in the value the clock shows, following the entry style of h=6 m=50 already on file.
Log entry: h=1 m=30
